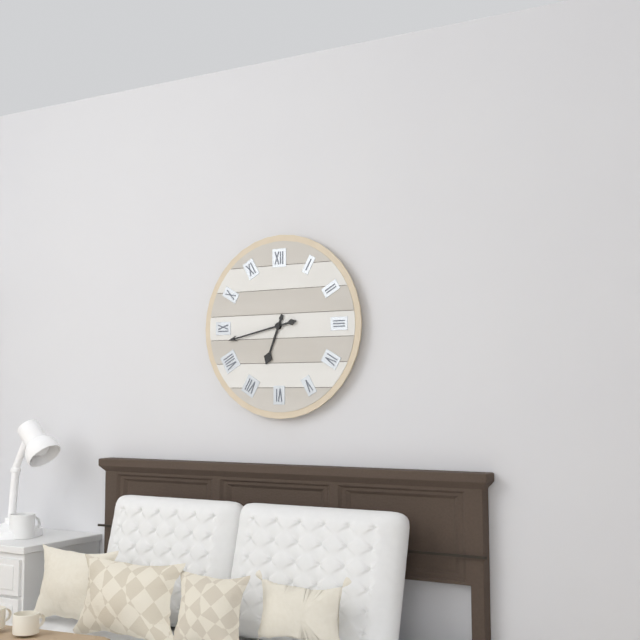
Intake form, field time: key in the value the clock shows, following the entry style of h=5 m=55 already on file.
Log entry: h=6 m=43
